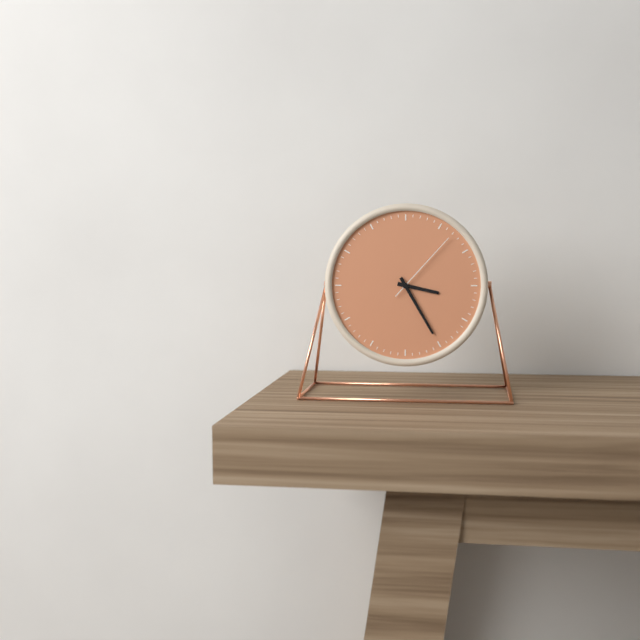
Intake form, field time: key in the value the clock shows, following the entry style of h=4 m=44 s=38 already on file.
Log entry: h=3 m=25 s=7
